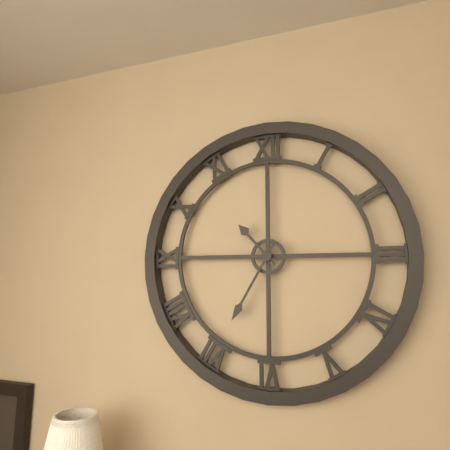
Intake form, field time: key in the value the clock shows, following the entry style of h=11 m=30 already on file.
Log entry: h=10 m=35
